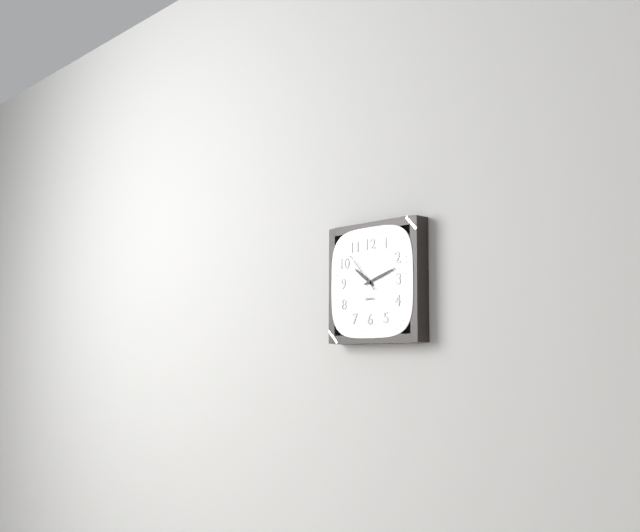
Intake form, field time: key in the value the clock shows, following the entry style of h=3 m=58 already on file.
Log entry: h=10 m=12
